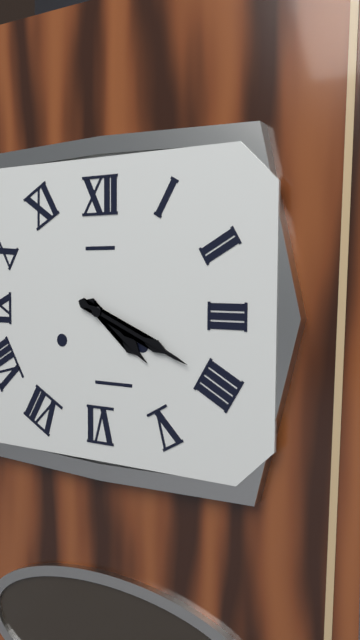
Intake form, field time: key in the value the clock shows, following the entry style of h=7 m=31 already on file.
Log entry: h=4 m=19
